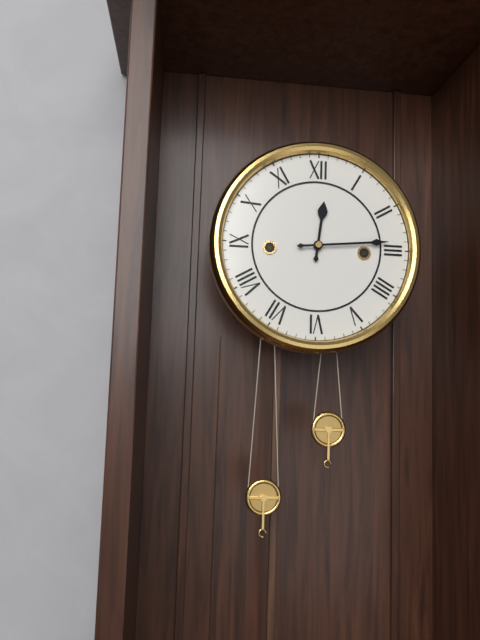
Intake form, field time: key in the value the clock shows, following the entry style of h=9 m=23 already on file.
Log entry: h=12 m=14
